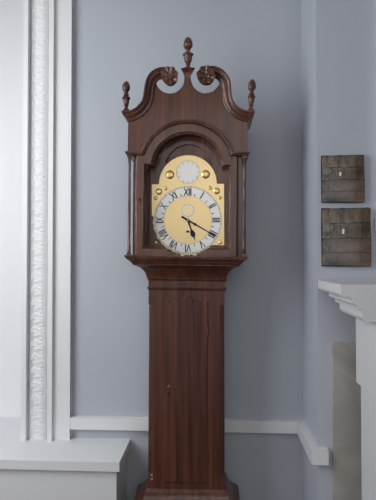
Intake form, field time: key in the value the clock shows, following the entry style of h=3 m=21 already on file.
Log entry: h=5 m=20
